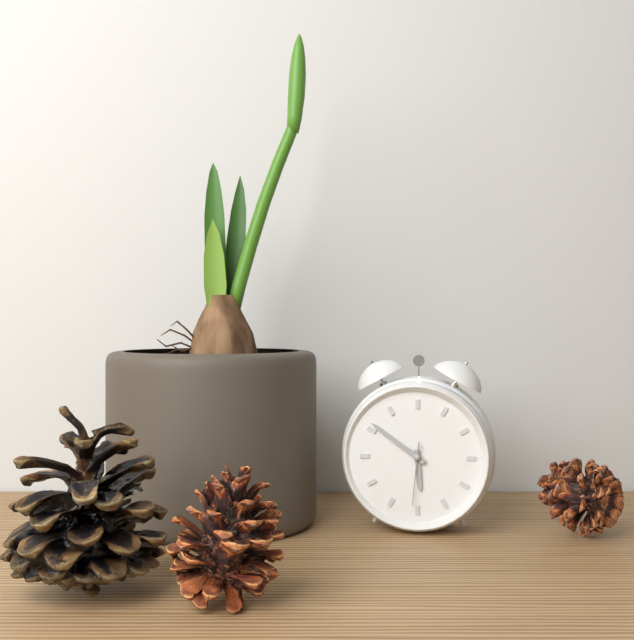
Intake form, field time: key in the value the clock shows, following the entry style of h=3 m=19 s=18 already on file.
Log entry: h=5 m=51 s=31
